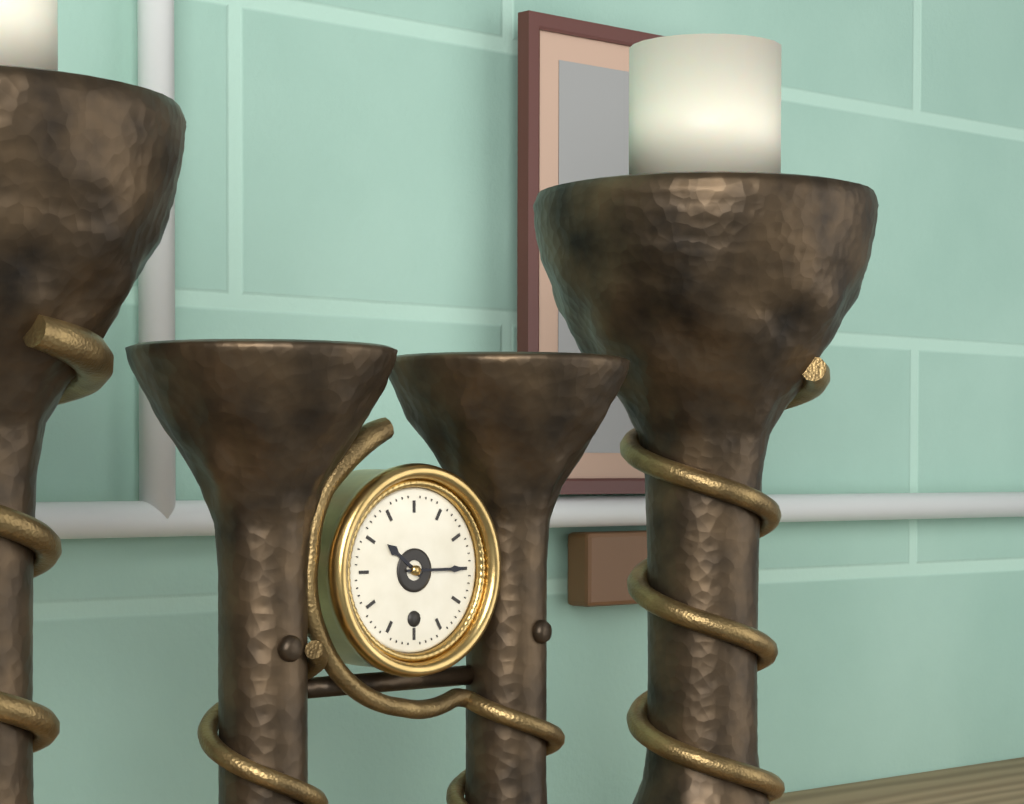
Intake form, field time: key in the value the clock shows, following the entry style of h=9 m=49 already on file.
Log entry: h=10 m=15
